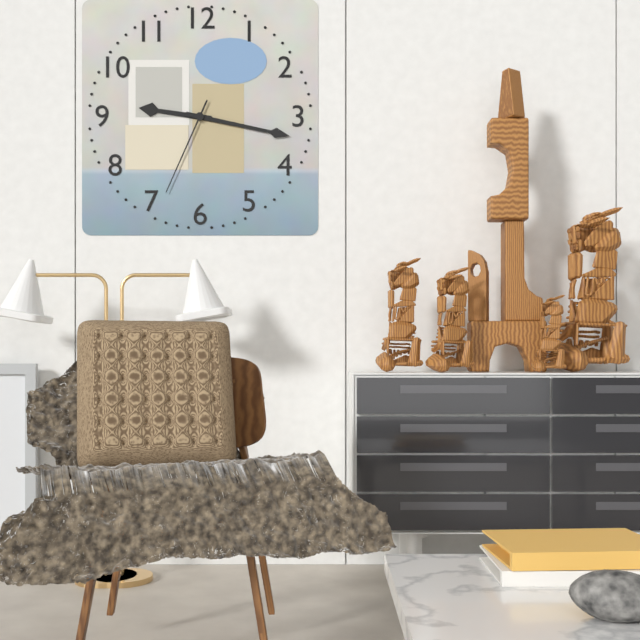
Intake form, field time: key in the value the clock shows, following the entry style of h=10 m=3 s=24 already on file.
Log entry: h=9 m=17 s=34
